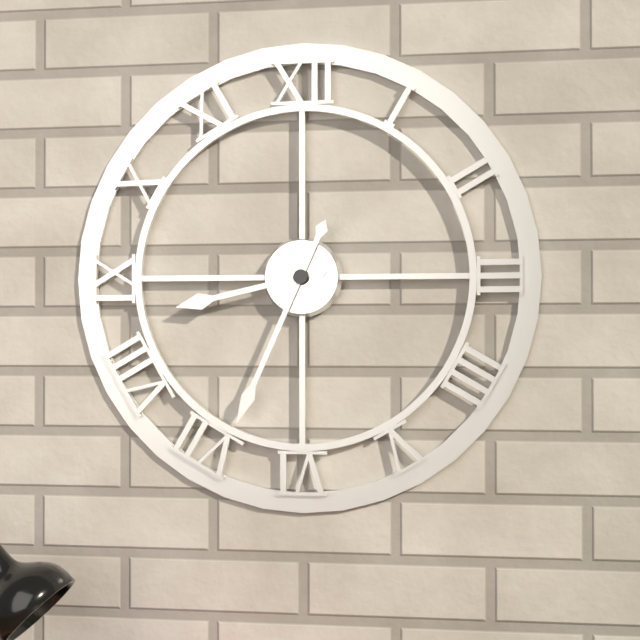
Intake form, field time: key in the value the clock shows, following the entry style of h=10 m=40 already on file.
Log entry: h=8 m=34
